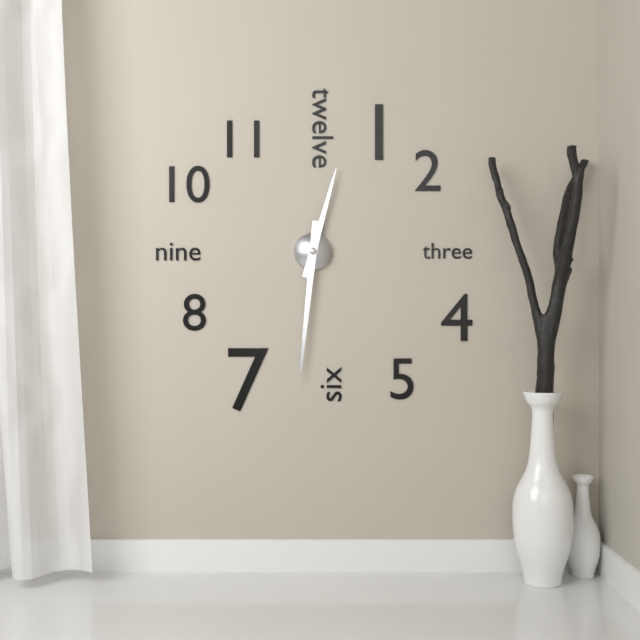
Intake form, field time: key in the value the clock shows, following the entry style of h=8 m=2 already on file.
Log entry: h=12 m=31
